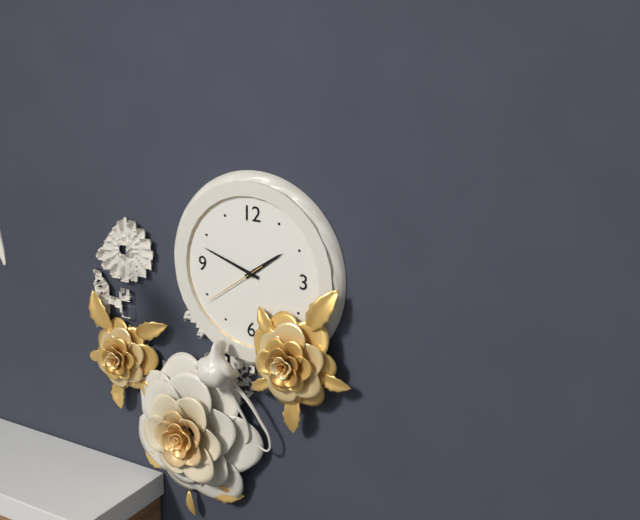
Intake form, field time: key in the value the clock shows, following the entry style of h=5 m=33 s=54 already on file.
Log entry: h=1 m=48 s=39
